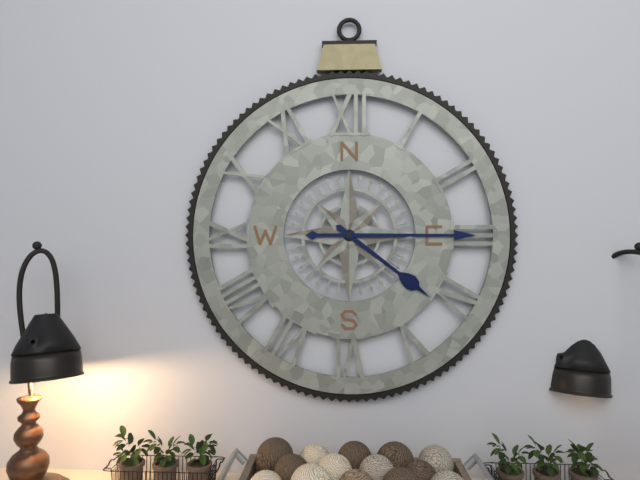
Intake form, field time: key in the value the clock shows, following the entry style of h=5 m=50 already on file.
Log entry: h=4 m=15
